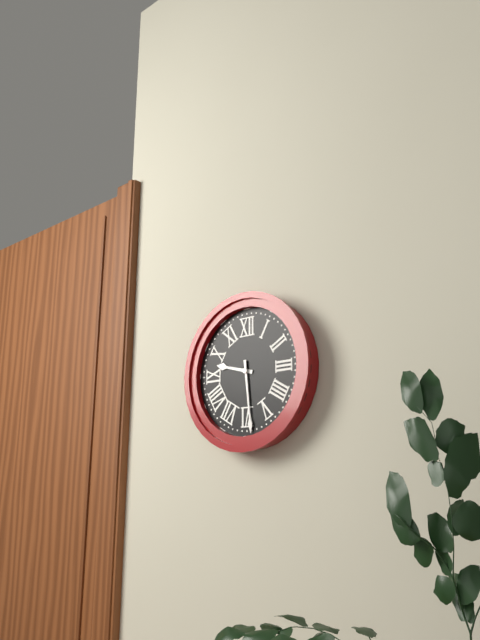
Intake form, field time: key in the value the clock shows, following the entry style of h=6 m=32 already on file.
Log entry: h=9 m=29
